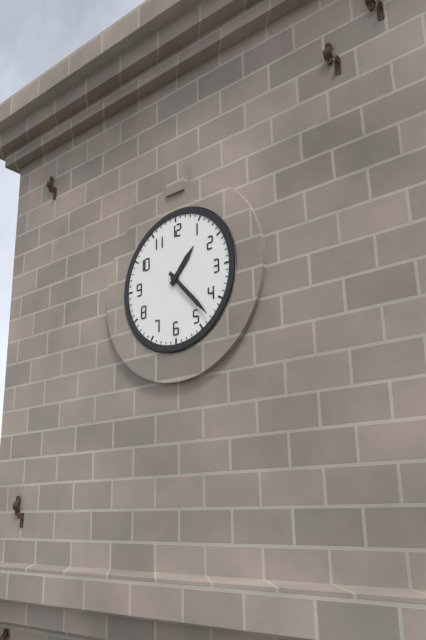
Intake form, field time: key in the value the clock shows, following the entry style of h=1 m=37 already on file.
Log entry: h=1 m=23
